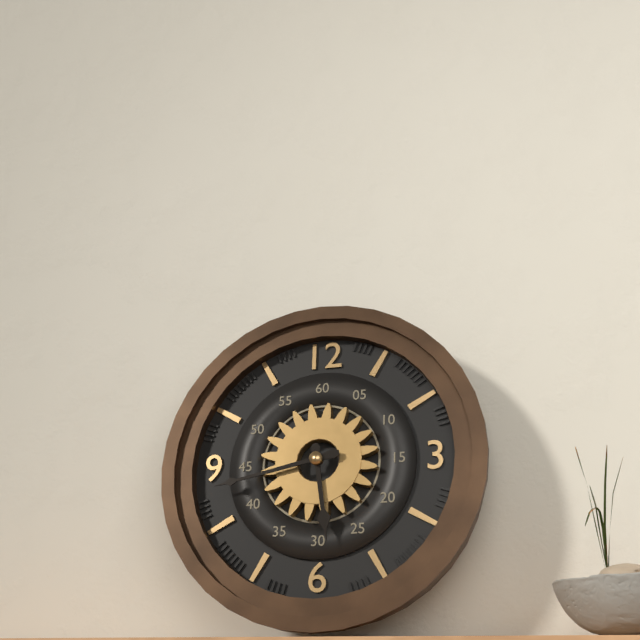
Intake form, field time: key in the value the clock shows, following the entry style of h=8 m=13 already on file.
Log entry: h=5 m=43
